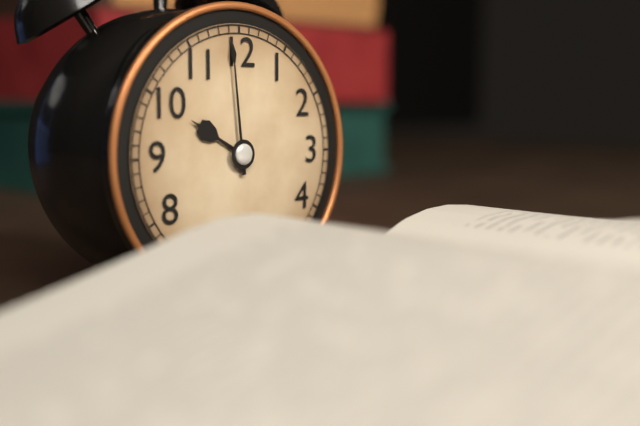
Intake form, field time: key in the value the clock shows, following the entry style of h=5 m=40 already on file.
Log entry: h=9 m=59
